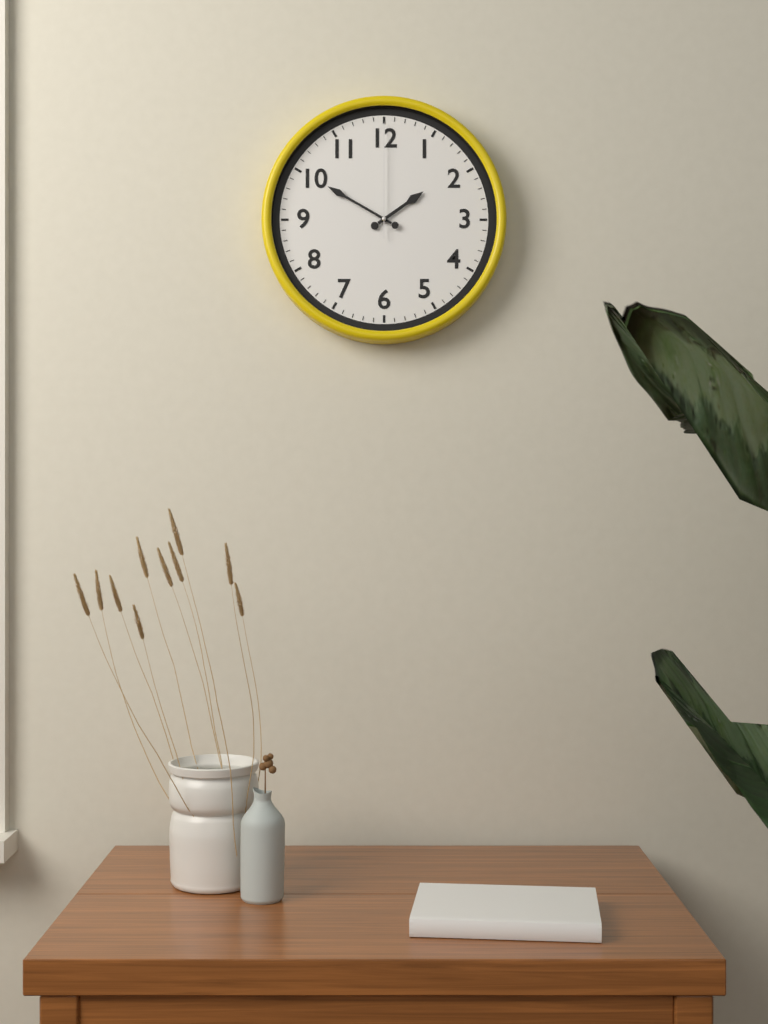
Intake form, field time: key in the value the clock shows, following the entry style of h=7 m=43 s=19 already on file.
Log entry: h=1 m=50 s=0
